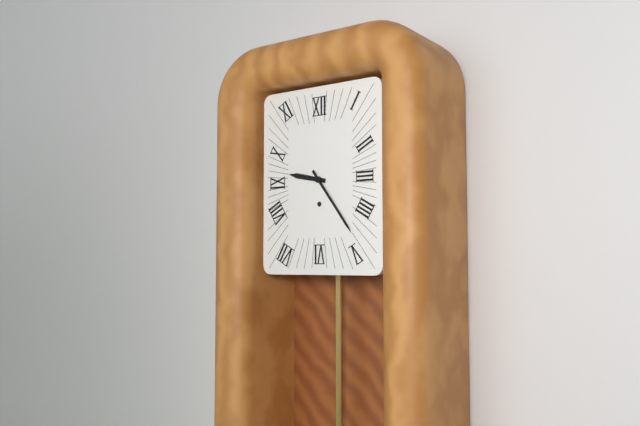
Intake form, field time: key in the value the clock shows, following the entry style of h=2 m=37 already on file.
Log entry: h=9 m=24
